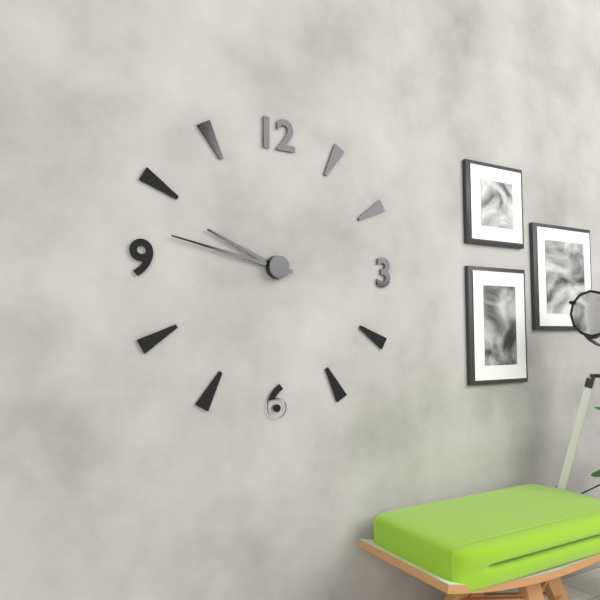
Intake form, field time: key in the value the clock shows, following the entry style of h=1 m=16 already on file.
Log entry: h=9 m=47
